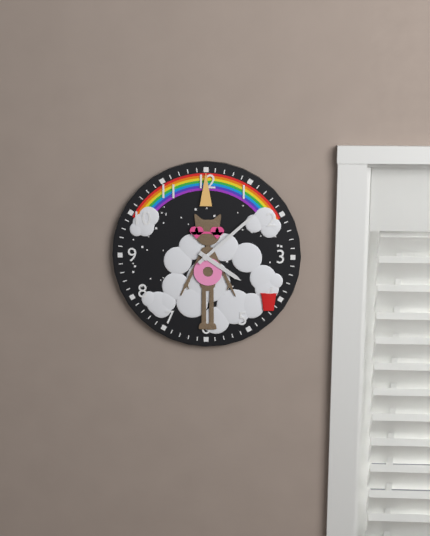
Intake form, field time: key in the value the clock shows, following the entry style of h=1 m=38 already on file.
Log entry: h=4 m=8
